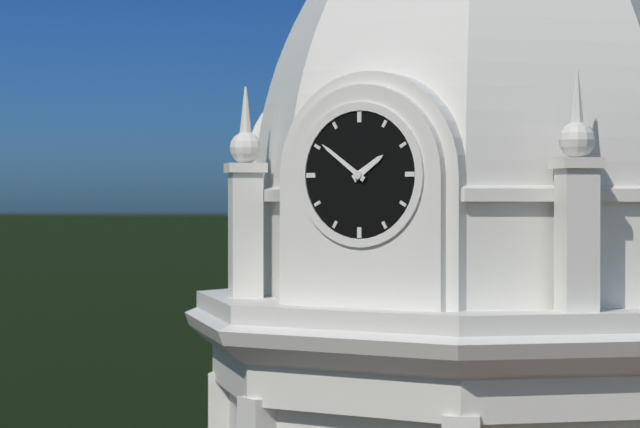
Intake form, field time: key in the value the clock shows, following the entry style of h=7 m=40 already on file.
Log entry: h=1 m=51
